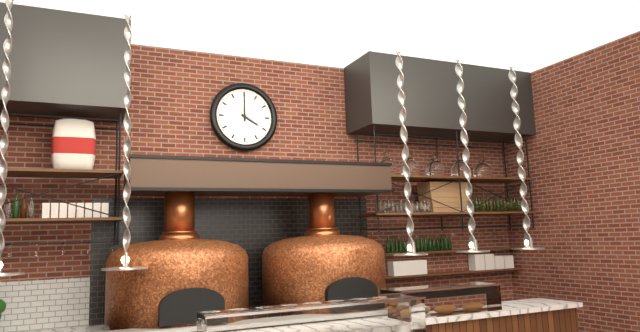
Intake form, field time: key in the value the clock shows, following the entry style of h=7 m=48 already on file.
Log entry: h=4 m=0
